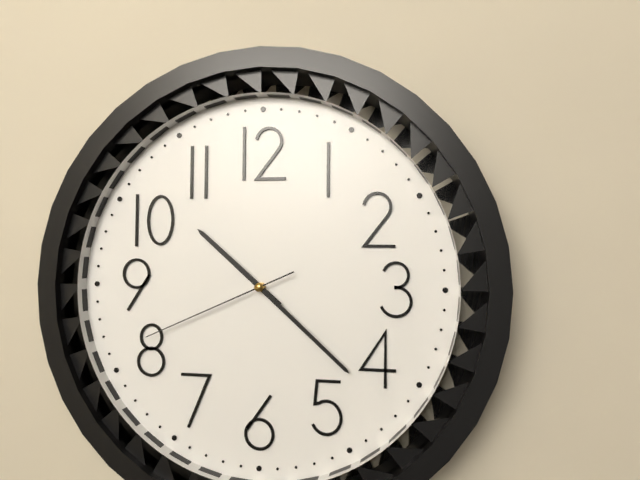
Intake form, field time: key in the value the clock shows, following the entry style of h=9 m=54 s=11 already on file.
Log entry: h=10 m=22 s=41
